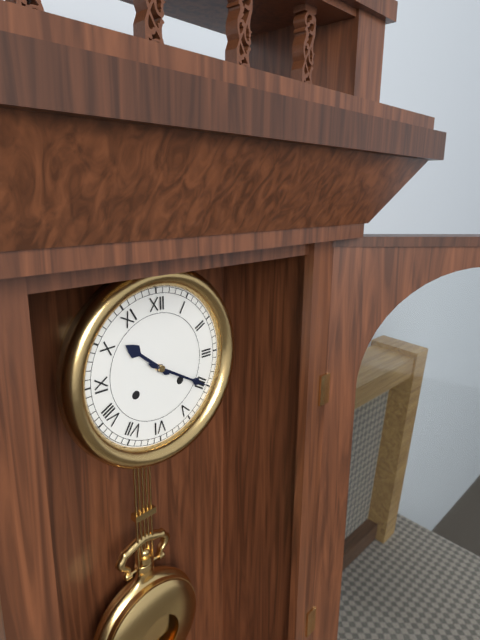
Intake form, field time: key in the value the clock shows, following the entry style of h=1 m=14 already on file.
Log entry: h=10 m=20
